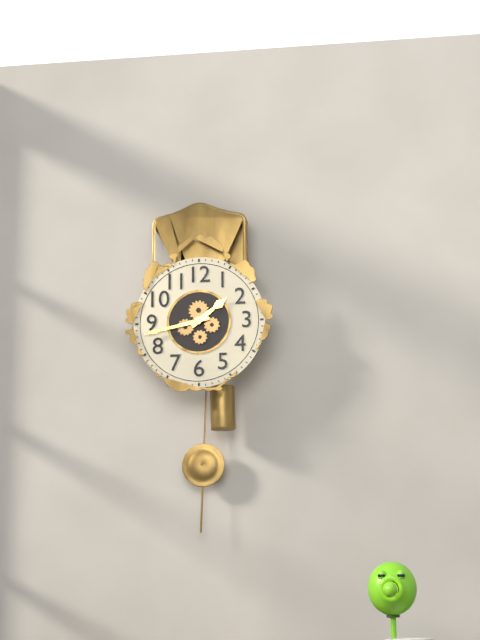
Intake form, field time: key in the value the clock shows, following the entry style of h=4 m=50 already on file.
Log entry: h=1 m=43
